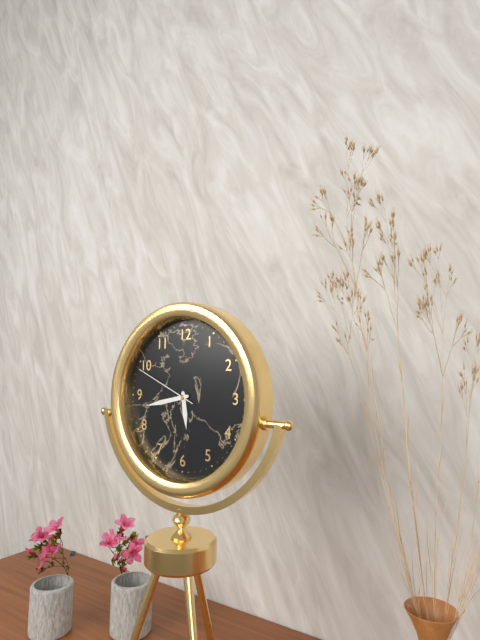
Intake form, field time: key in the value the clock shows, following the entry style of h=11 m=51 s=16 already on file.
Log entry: h=5 m=43 s=49
